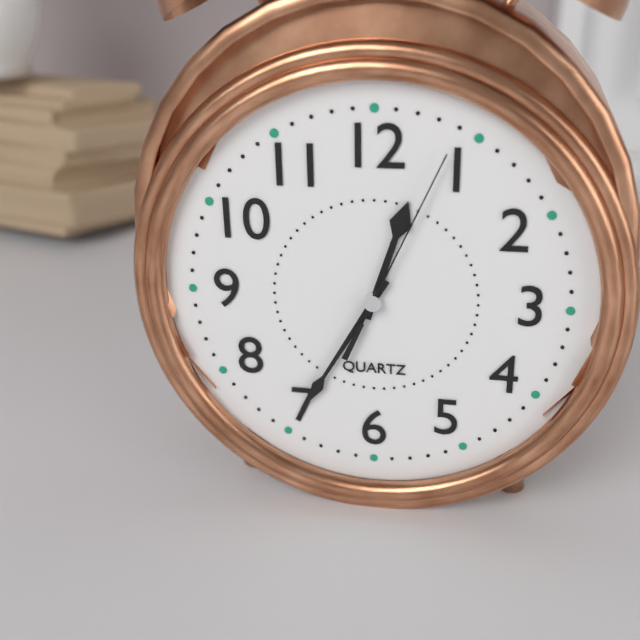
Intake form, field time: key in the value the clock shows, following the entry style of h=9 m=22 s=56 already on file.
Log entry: h=12 m=35 s=4
